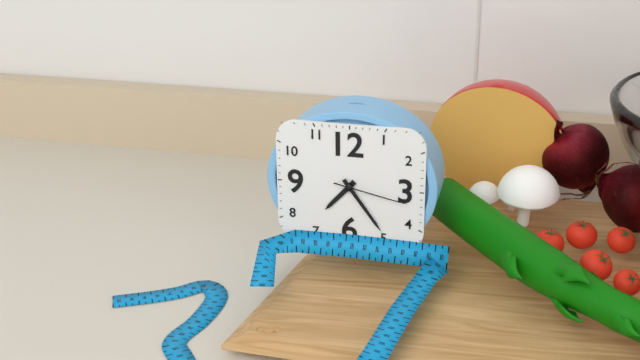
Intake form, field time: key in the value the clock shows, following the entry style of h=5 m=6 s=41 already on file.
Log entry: h=7 m=24 s=17
